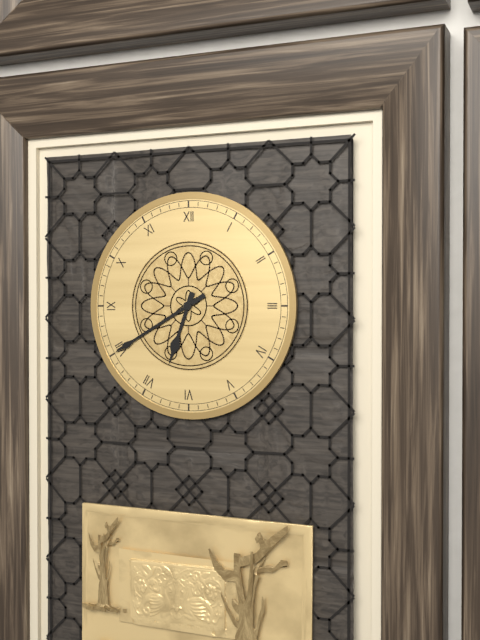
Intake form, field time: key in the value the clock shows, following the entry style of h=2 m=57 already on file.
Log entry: h=6 m=40
